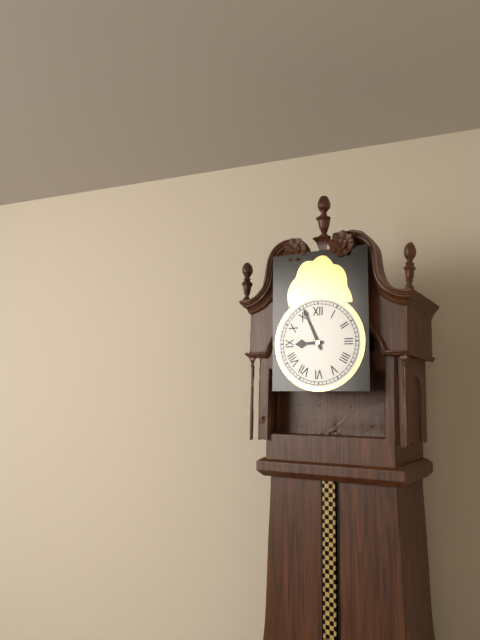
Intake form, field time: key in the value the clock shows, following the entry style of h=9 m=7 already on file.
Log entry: h=8 m=56
